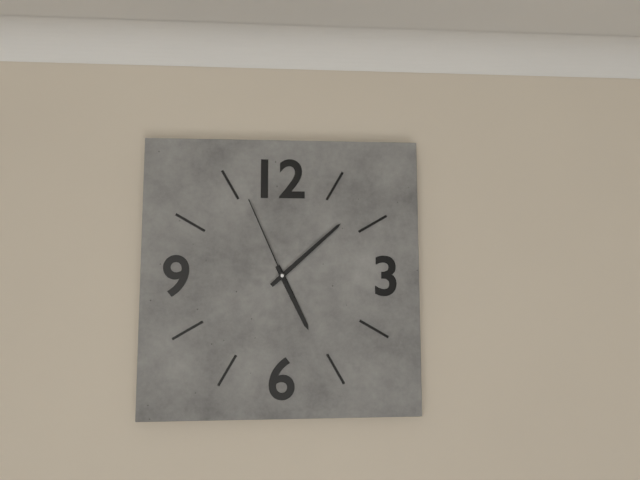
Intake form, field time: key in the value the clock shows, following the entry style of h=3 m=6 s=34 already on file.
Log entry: h=5 m=8 s=56
